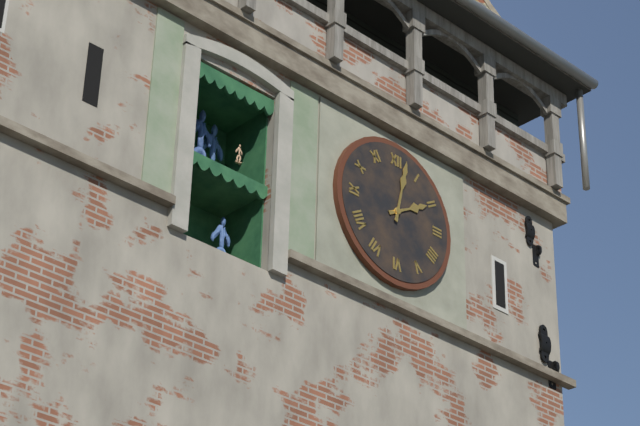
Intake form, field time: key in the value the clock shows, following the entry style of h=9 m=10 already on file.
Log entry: h=2 m=2
